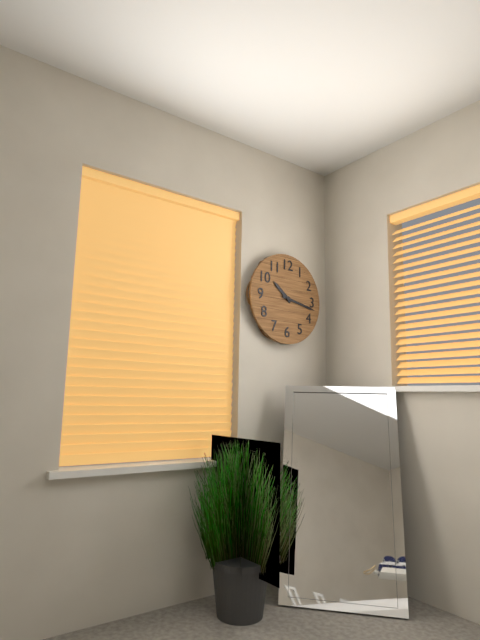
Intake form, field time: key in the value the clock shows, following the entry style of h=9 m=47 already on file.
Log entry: h=10 m=17
